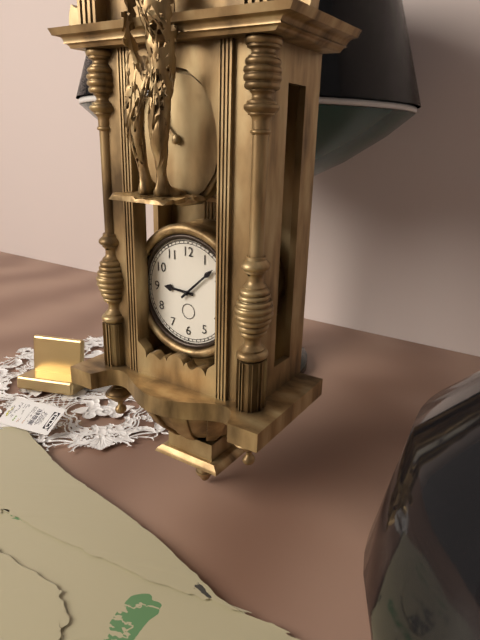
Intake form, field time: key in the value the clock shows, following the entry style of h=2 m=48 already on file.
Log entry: h=9 m=8
